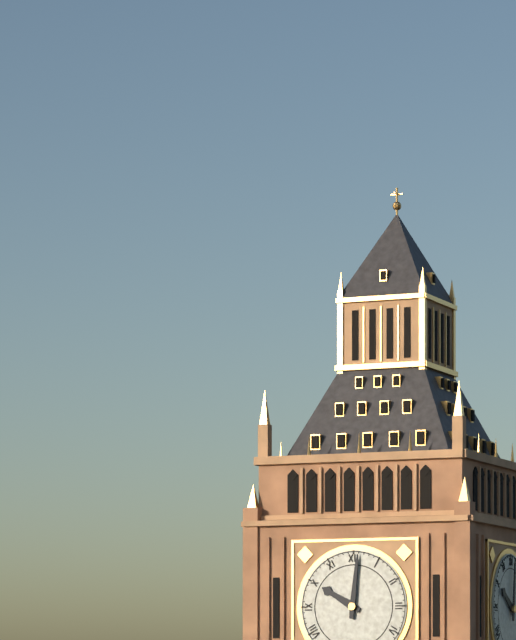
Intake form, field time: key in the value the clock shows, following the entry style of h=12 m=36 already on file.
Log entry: h=10 m=1
